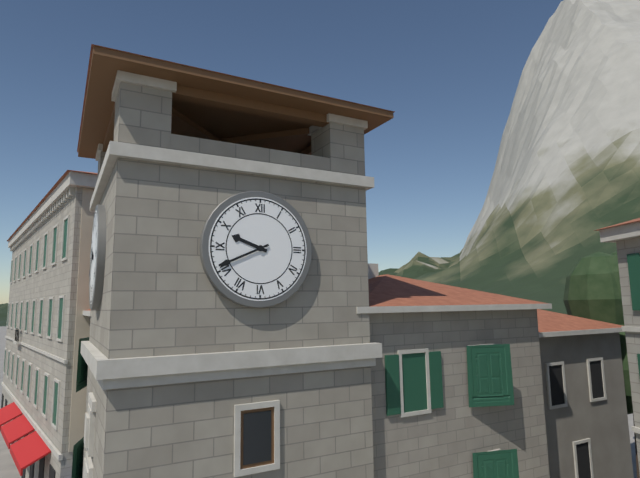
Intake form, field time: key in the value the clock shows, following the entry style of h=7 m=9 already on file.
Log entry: h=9 m=41
